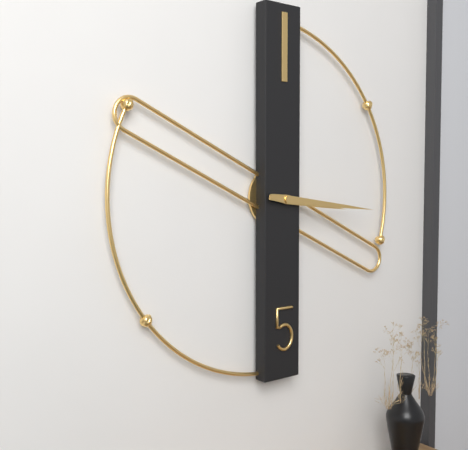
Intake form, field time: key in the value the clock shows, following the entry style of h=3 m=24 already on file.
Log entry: h=3 m=16
